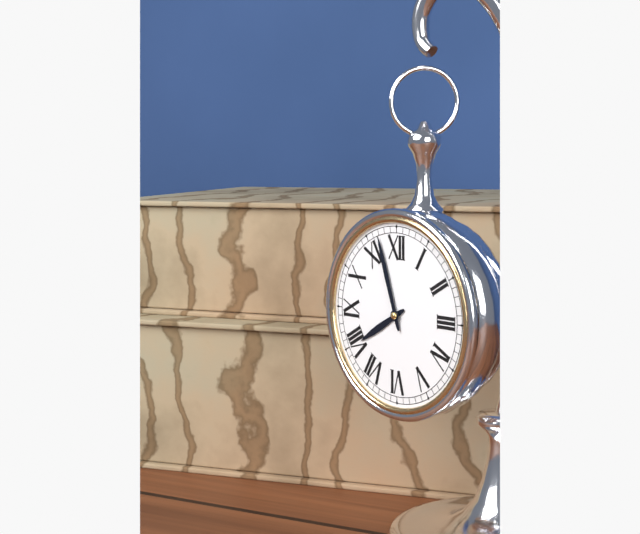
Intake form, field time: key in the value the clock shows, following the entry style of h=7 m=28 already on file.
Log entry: h=7 m=57
